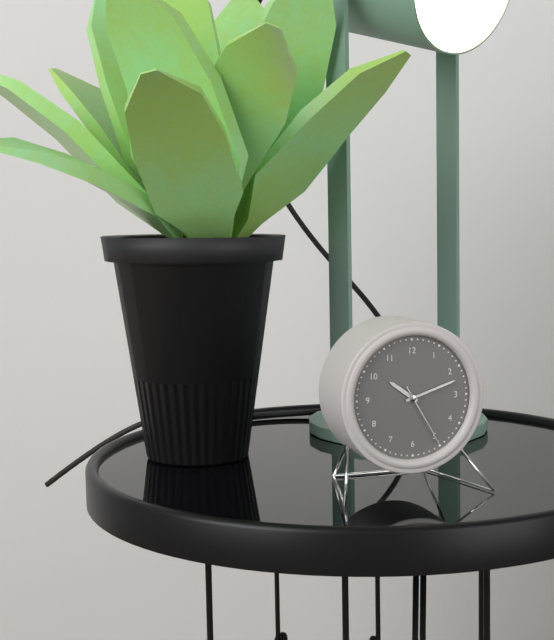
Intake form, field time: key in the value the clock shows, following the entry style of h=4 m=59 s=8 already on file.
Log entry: h=10 m=12 s=25
